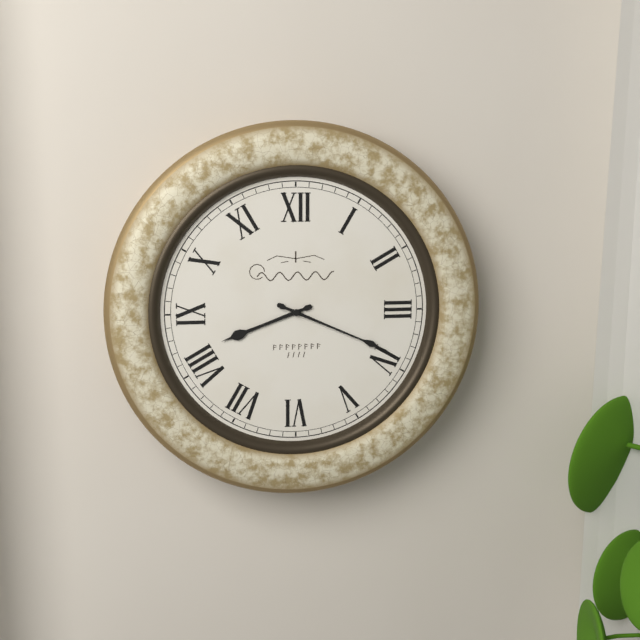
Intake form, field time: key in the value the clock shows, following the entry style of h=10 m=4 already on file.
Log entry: h=8 m=19
